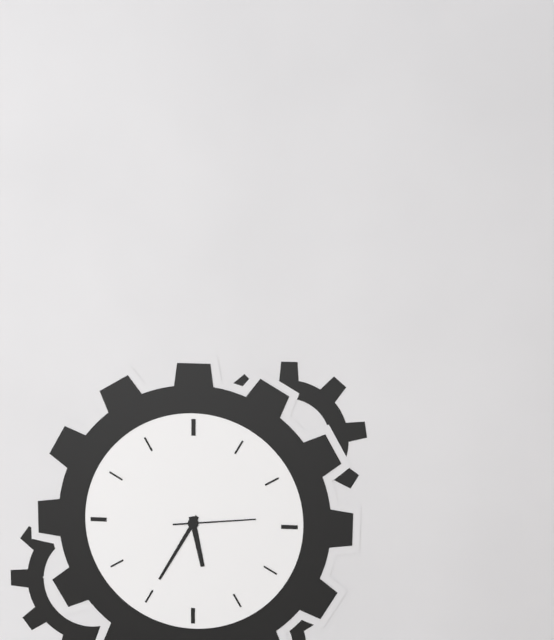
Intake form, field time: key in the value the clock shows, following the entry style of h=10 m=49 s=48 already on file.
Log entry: h=5 m=35 s=14
